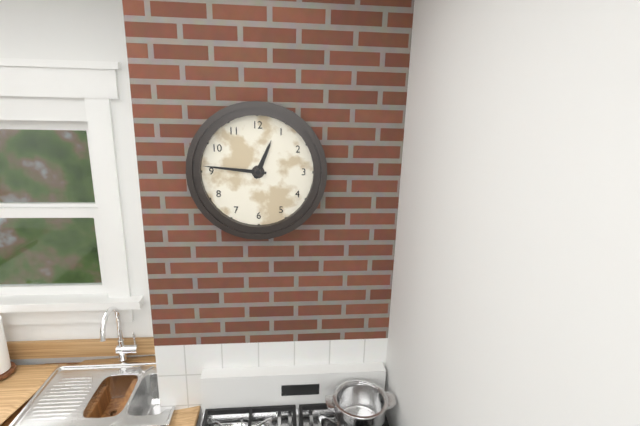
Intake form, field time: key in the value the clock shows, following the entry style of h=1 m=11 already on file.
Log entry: h=12 m=46
